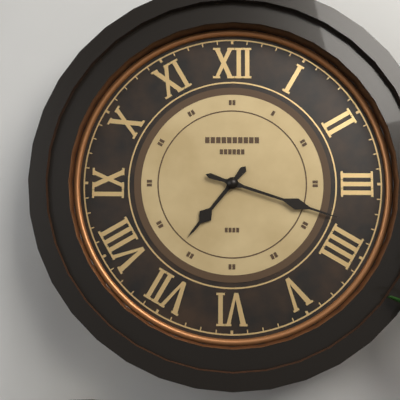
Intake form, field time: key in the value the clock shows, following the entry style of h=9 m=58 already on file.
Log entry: h=7 m=18
